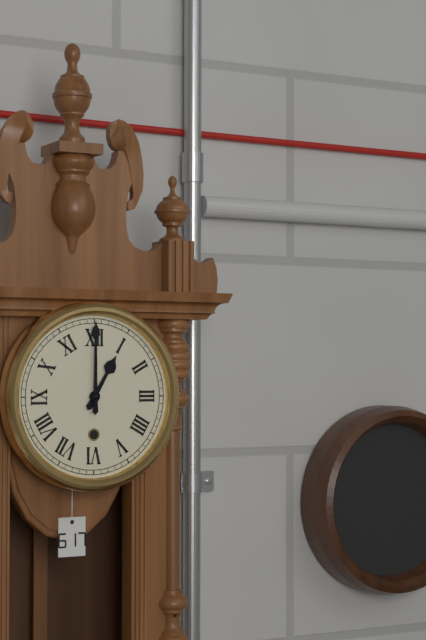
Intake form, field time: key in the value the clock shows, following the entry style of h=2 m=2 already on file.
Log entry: h=1 m=0
